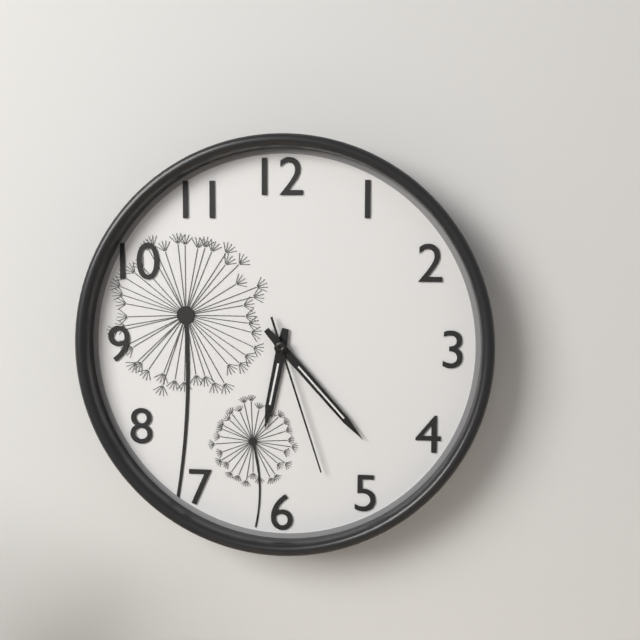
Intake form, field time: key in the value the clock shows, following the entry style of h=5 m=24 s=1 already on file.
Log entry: h=6 m=23 s=27
